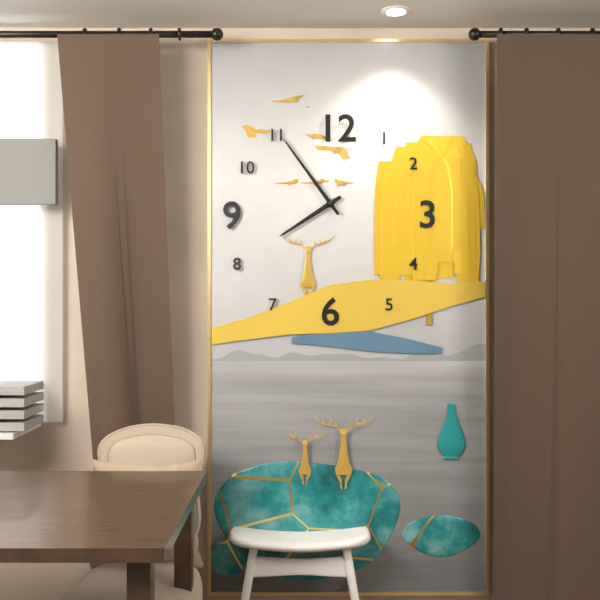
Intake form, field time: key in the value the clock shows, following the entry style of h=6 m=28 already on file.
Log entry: h=7 m=54
